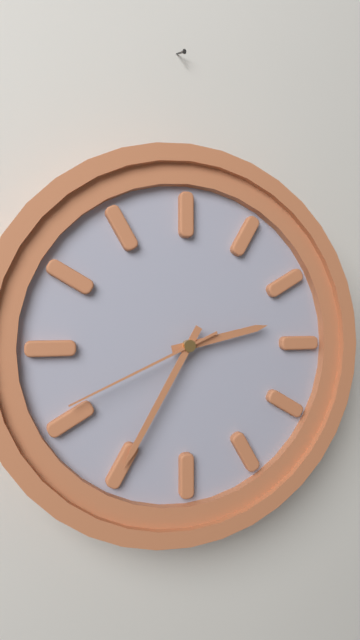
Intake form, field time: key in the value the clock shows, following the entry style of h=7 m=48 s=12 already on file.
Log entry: h=2 m=35 s=41
